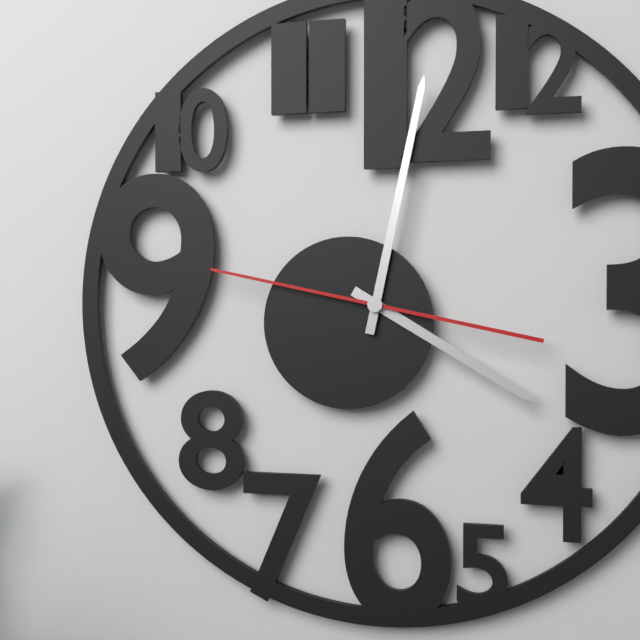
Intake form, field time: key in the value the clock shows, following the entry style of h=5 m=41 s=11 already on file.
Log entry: h=4 m=2 s=47
